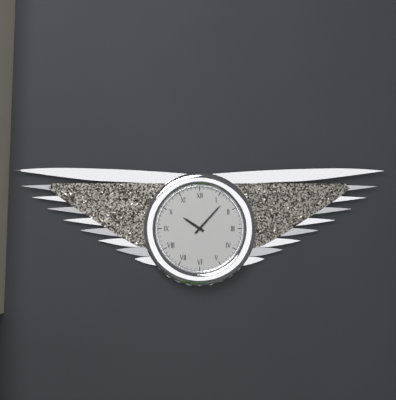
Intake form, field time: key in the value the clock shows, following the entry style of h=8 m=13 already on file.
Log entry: h=10 m=7
